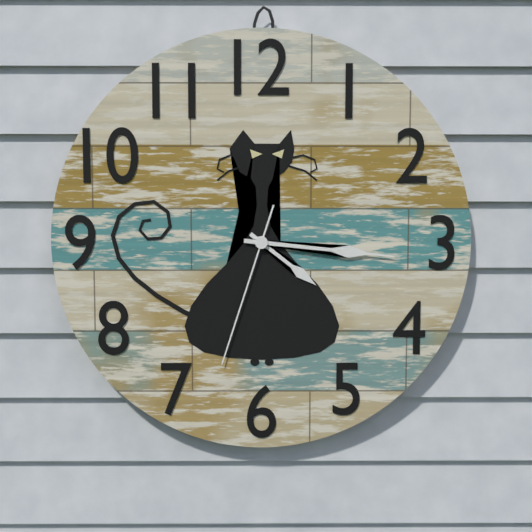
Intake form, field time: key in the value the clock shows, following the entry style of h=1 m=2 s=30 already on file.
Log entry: h=4 m=16 s=33
